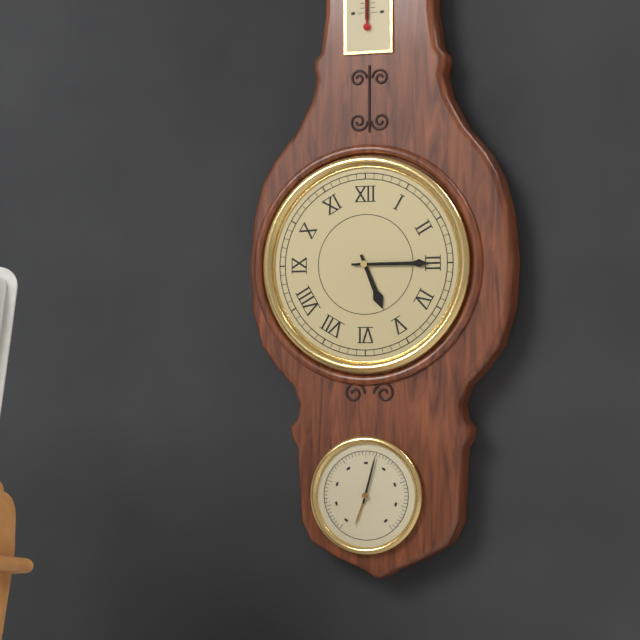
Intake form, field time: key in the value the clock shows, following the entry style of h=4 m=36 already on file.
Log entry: h=5 m=15
